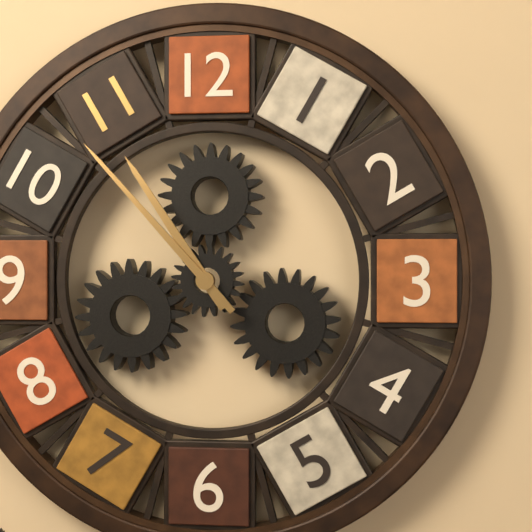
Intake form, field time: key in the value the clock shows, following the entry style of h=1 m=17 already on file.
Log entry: h=10 m=53
